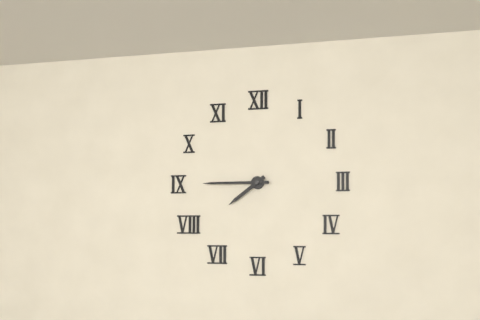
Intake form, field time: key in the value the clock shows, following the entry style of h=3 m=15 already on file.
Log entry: h=7 m=45
